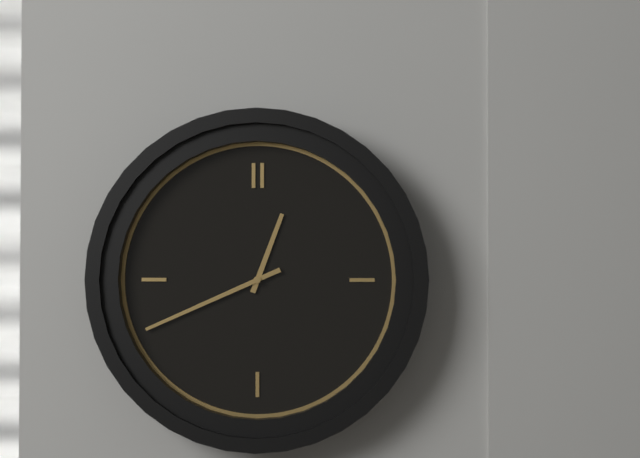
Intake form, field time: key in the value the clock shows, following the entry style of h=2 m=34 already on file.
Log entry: h=12 m=41
